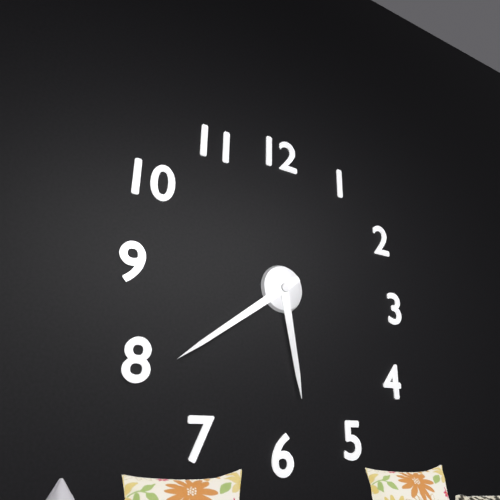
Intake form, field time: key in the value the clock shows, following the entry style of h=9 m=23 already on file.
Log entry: h=5 m=39
